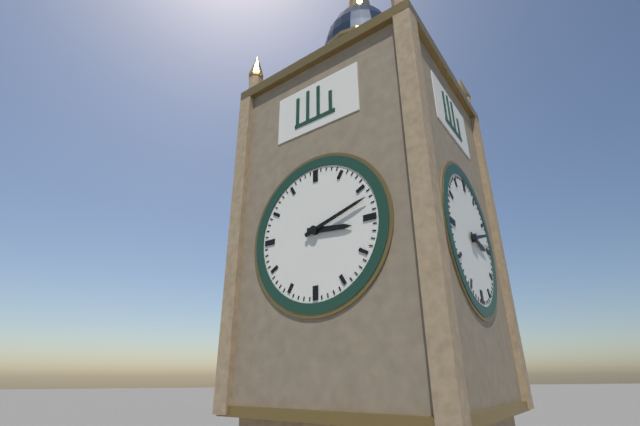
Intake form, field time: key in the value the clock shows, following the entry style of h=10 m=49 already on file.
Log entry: h=3 m=12
